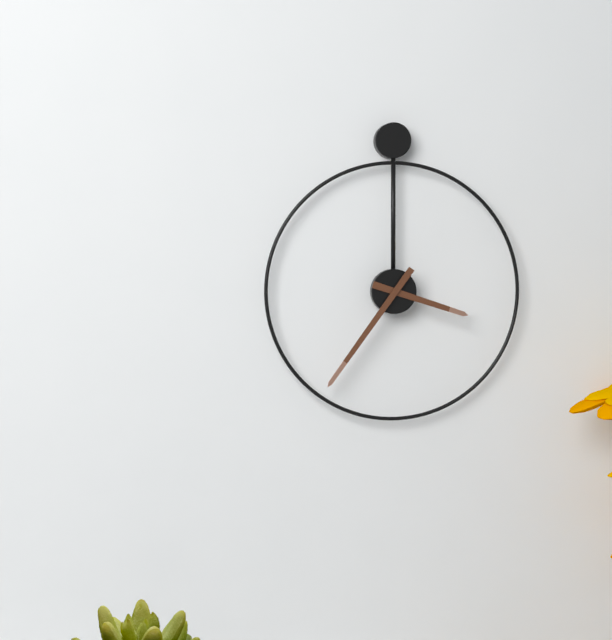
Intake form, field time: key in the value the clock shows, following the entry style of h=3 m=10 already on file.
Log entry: h=3 m=36
